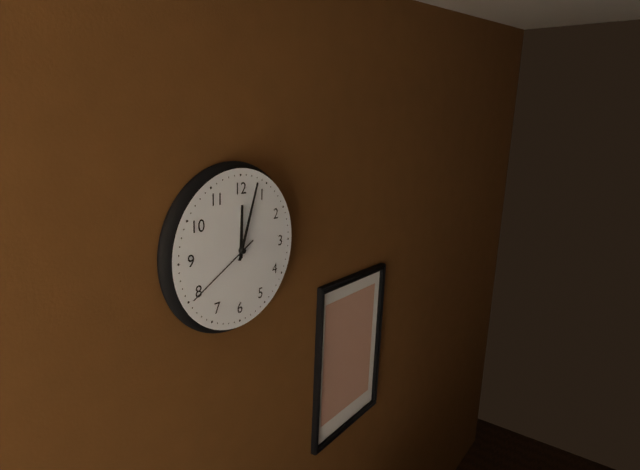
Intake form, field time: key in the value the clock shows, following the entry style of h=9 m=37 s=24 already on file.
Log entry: h=12 m=3 s=40
